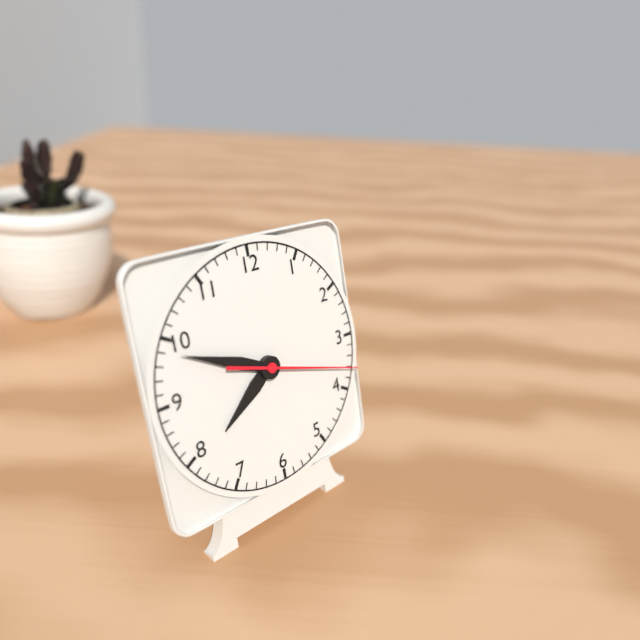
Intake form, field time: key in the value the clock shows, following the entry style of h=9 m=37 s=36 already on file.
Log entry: h=7 m=49 s=18
